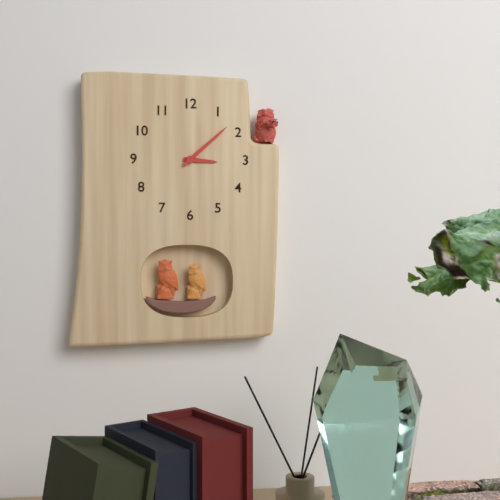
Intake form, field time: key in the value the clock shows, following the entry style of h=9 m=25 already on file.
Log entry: h=3 m=8
